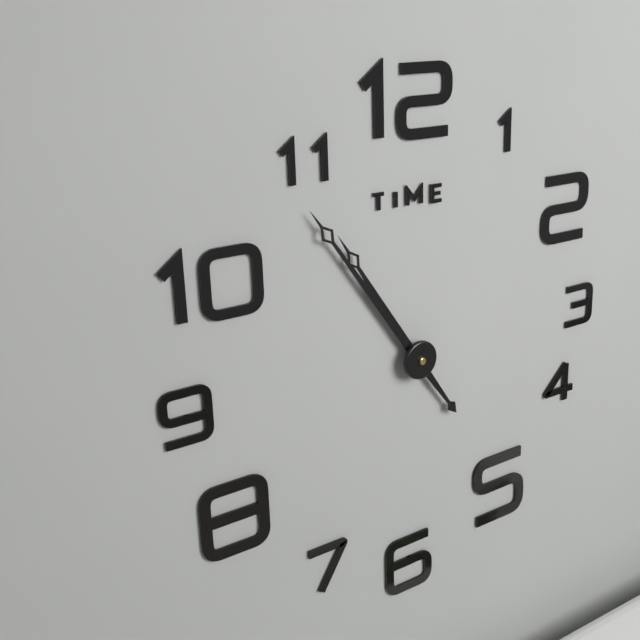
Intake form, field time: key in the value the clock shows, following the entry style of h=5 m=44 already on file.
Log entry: h=10 m=54
